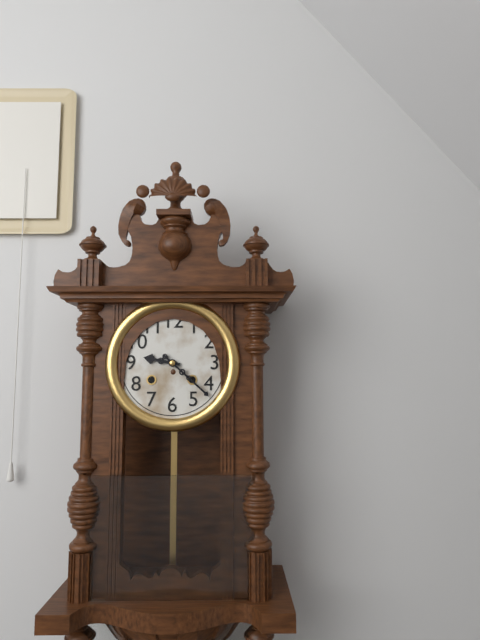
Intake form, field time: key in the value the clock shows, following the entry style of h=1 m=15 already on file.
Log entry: h=9 m=22
